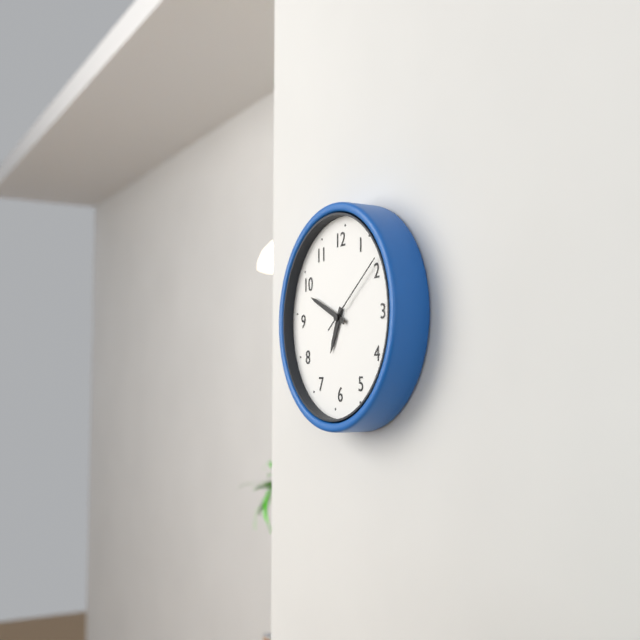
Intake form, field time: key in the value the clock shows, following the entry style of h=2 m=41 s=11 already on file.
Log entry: h=6 m=49 s=9
